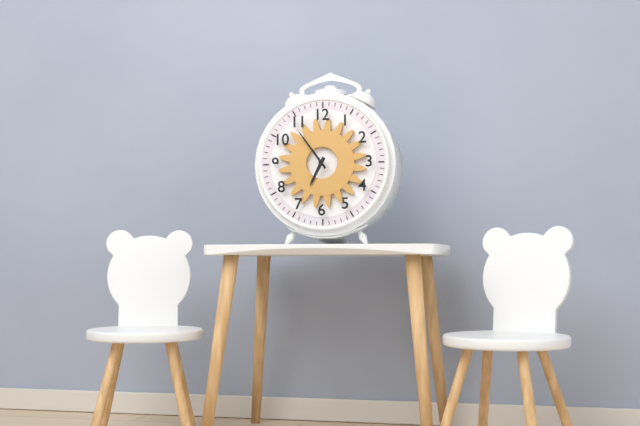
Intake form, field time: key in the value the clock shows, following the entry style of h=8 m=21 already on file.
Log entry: h=6 m=54
